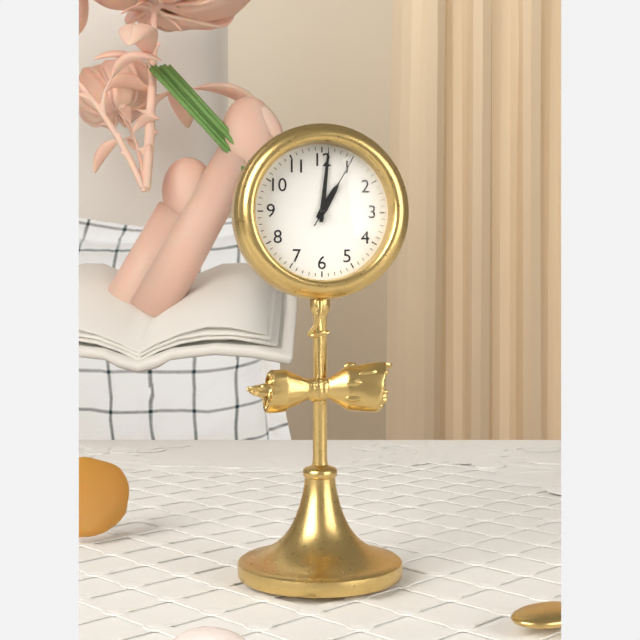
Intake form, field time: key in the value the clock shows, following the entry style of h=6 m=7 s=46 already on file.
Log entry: h=1 m=1 s=5
